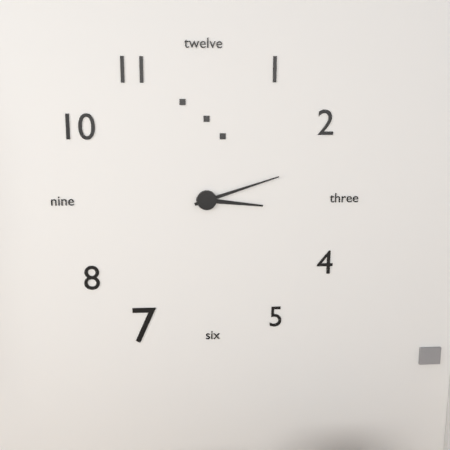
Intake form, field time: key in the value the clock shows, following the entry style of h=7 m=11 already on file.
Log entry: h=3 m=12
